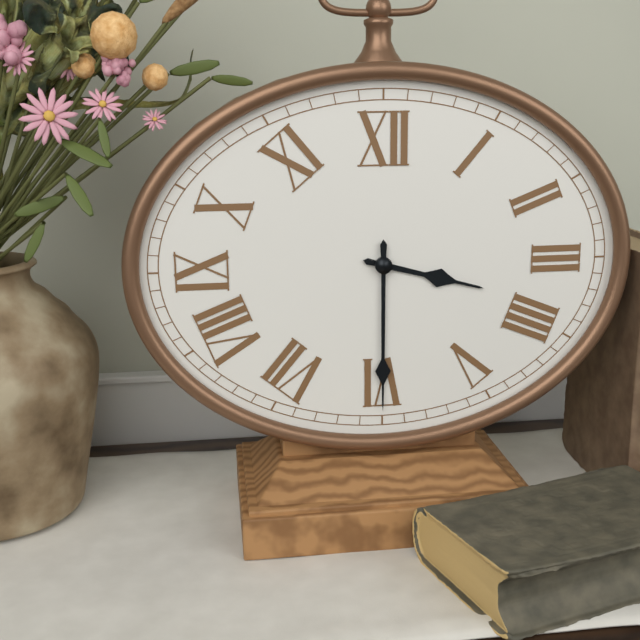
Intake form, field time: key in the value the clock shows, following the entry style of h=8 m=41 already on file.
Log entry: h=3 m=30
